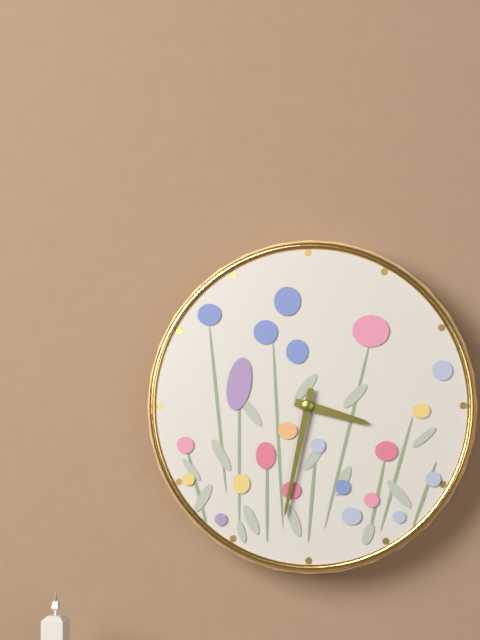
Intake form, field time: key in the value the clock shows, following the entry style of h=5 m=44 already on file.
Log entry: h=3 m=32
